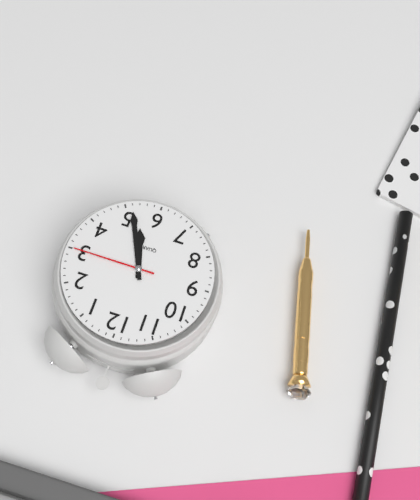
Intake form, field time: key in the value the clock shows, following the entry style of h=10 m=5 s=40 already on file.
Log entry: h=5 m=26 s=15
